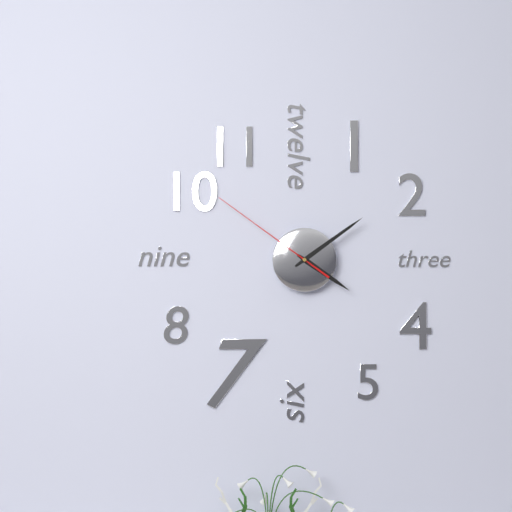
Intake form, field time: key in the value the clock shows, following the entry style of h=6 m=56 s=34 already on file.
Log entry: h=4 m=9 s=51
